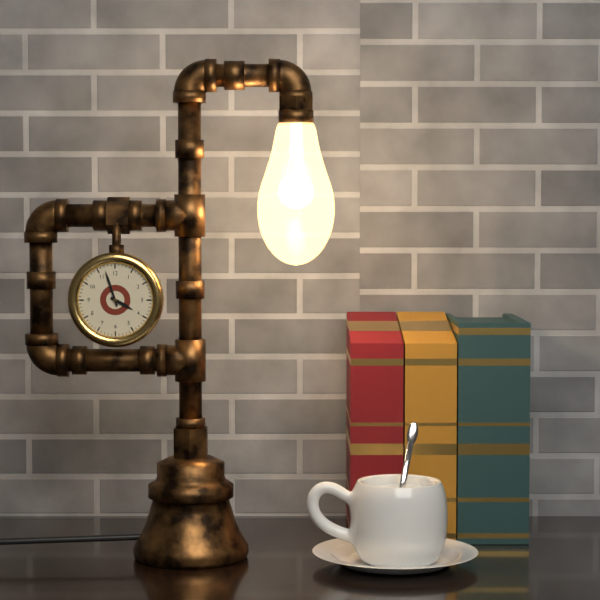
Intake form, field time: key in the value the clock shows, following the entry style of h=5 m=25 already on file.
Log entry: h=3 m=57
